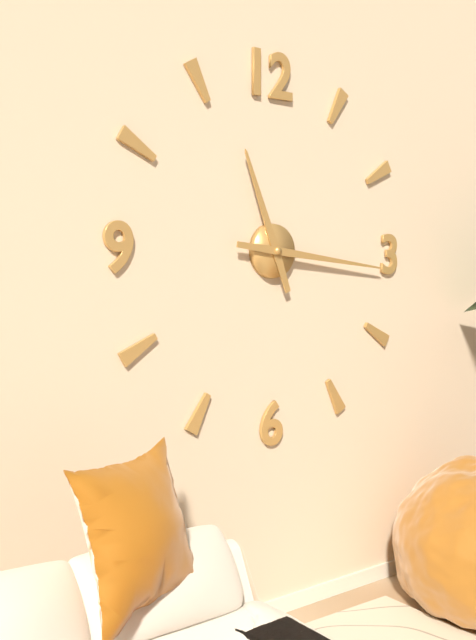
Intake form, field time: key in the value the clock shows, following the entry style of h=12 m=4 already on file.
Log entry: h=11 m=16
